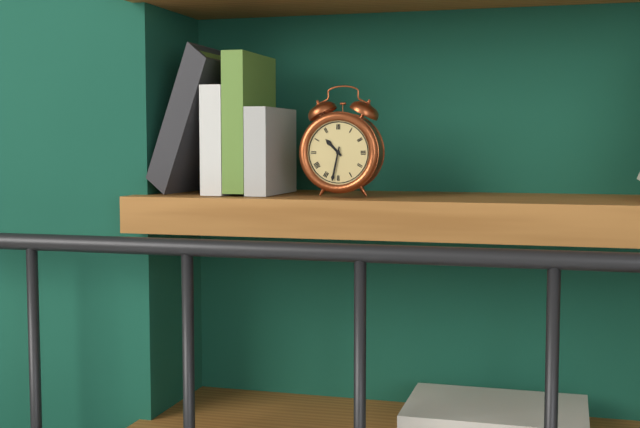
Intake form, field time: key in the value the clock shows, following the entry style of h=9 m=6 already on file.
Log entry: h=10 m=32
